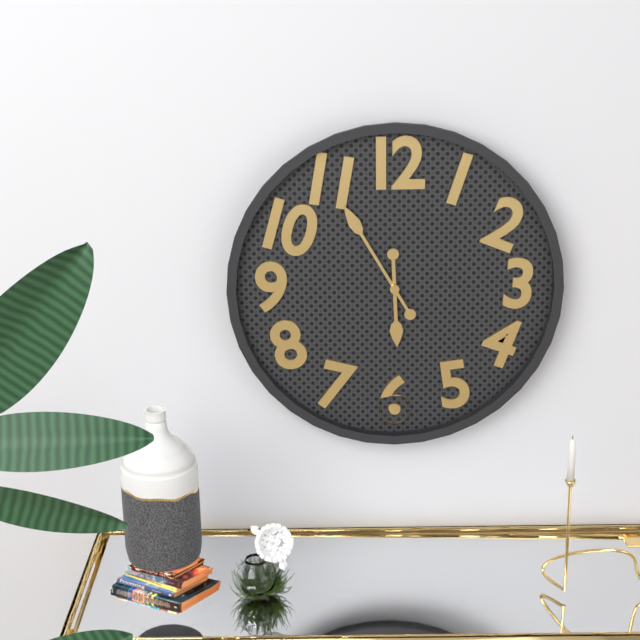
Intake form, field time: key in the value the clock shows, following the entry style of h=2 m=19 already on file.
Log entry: h=5 m=55
